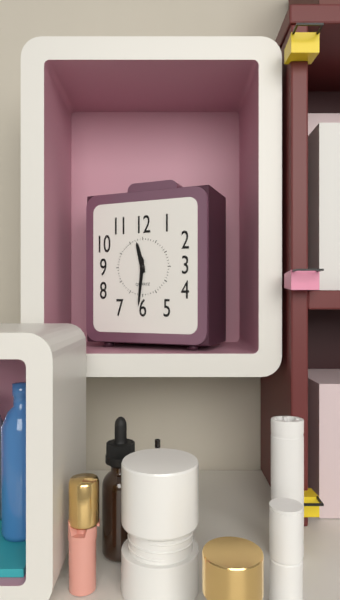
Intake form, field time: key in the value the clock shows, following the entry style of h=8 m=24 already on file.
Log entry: h=11 m=31
